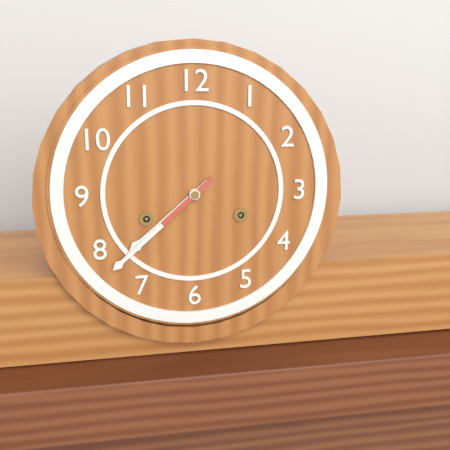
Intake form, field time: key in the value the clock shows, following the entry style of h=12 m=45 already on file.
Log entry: h=7 m=38
